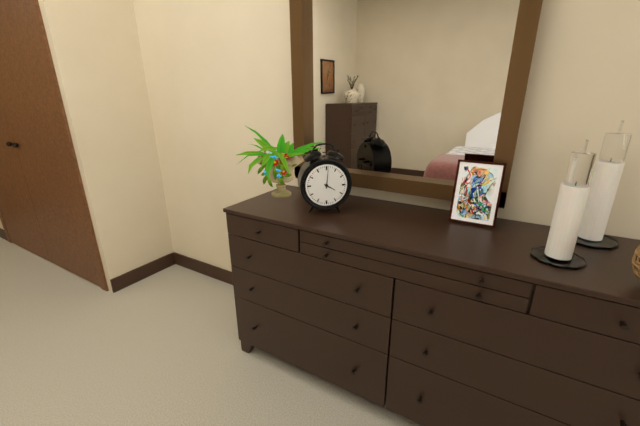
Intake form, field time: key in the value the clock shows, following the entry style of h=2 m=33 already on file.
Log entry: h=4 m=1
